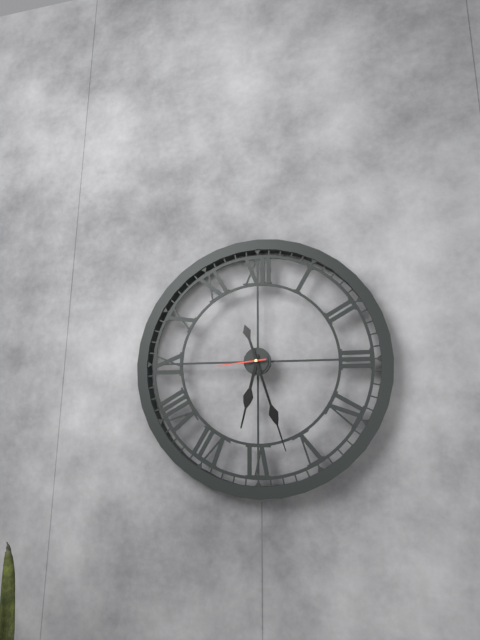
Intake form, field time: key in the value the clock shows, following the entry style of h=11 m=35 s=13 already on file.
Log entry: h=6 m=27 s=44
